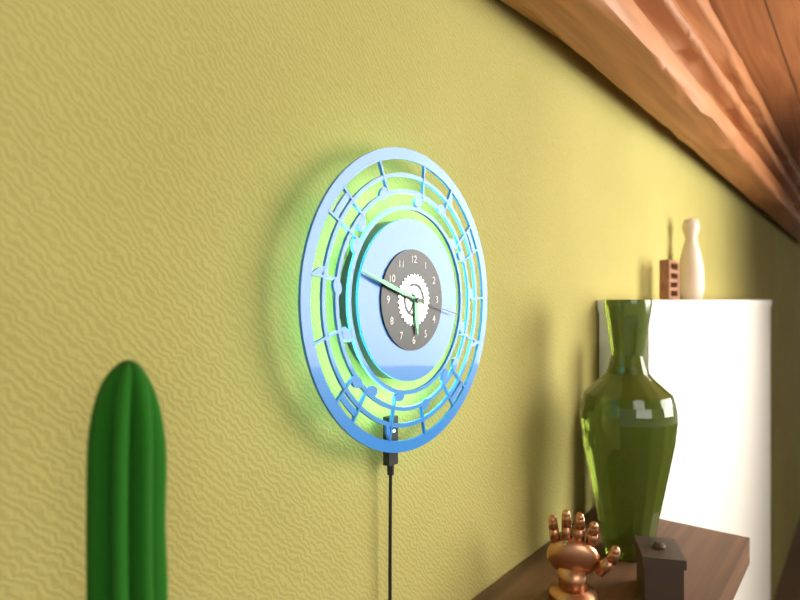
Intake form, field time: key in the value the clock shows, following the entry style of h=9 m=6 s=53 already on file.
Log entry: h=5 m=48 s=17
